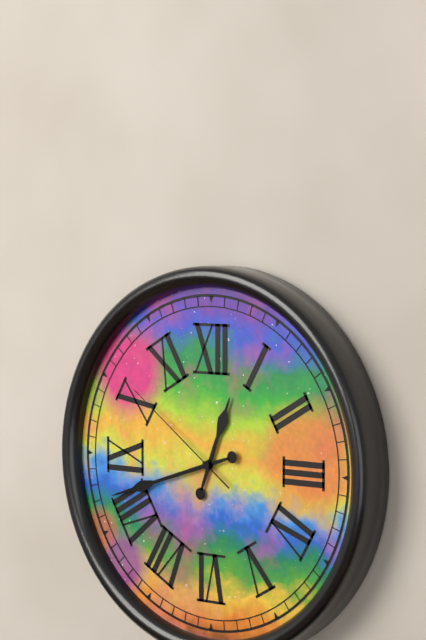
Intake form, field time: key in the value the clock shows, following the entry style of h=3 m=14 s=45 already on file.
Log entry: h=12 m=42 s=51
